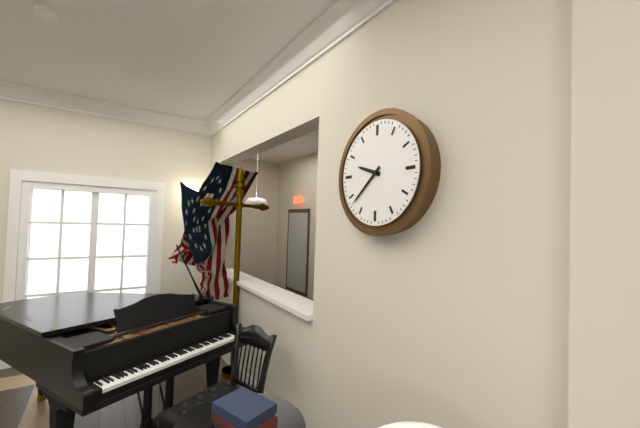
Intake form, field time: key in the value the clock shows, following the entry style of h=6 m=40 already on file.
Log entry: h=9 m=38
